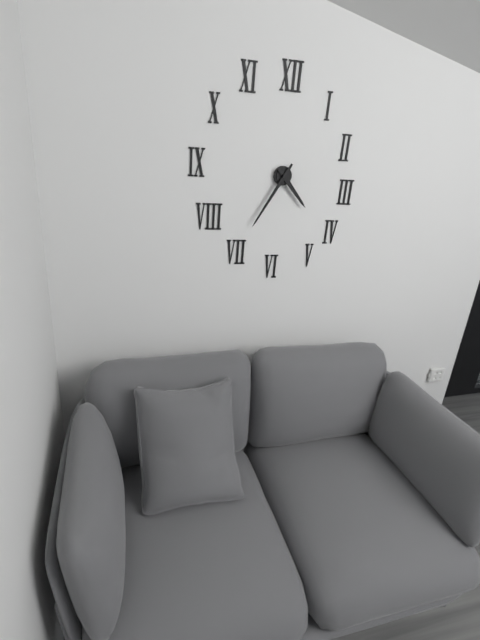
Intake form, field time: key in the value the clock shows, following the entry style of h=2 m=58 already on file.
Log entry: h=4 m=35
